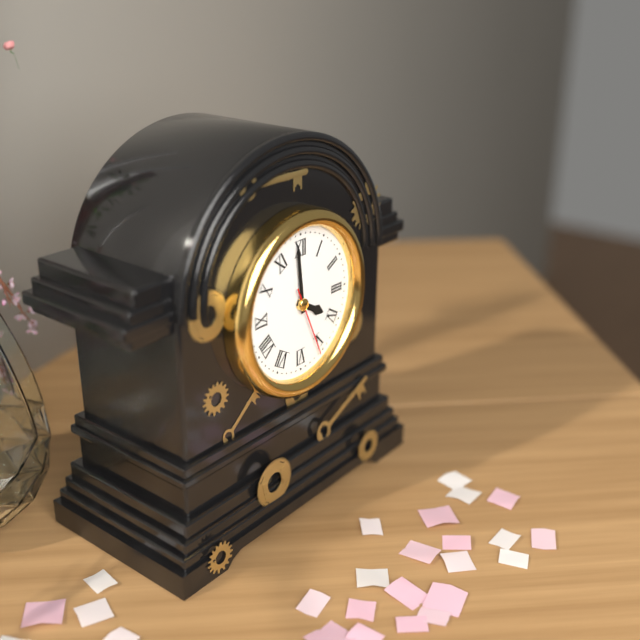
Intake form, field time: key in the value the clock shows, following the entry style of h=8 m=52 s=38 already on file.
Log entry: h=3 m=59 s=26
